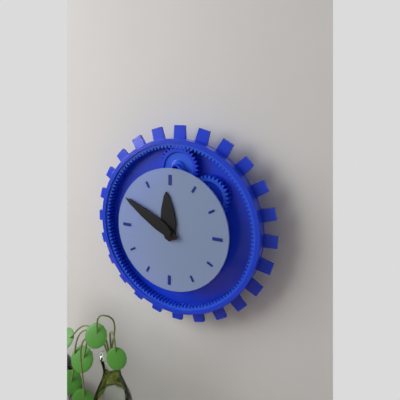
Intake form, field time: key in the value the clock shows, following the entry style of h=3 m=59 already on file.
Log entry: h=11 m=50
